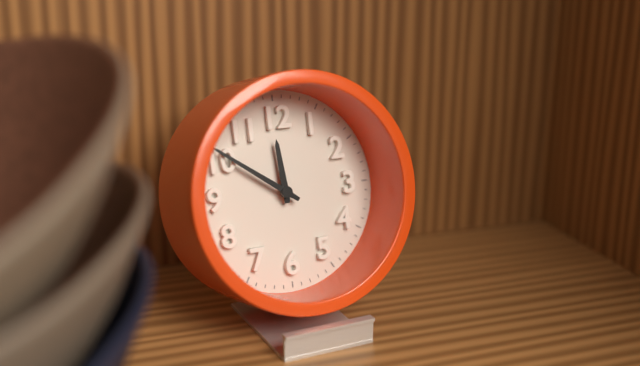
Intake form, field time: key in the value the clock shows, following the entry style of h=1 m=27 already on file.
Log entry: h=11 m=51
